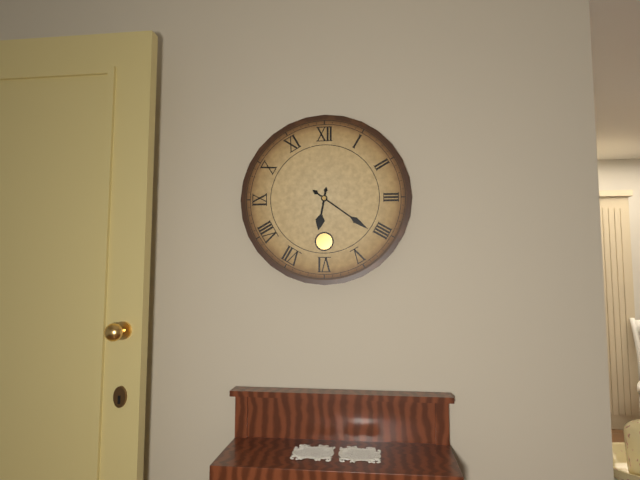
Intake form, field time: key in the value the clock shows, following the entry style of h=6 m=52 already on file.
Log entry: h=6 m=21
